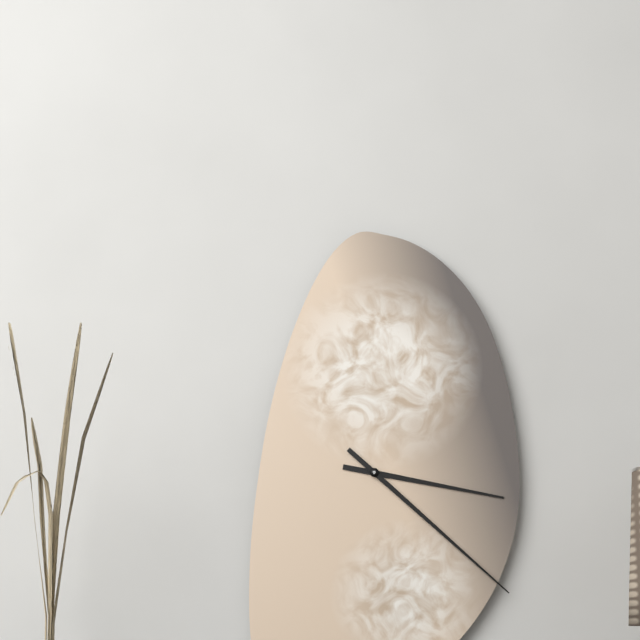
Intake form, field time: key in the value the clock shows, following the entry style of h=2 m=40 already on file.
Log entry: h=3 m=22
